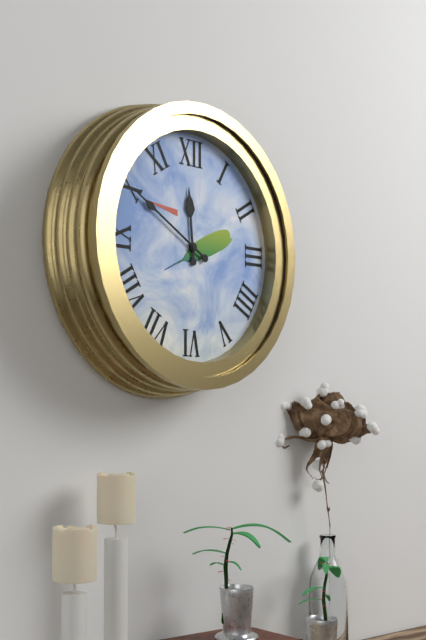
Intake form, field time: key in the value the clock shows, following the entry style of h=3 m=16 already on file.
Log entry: h=11 m=50
